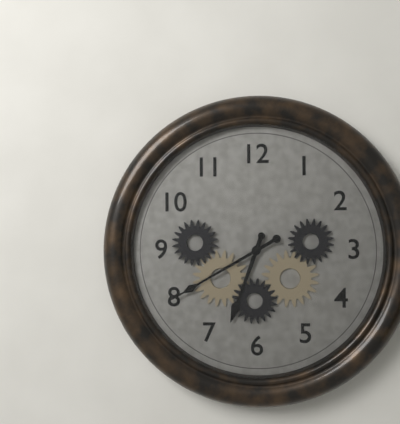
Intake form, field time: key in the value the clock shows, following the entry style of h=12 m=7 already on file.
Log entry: h=6 m=40
